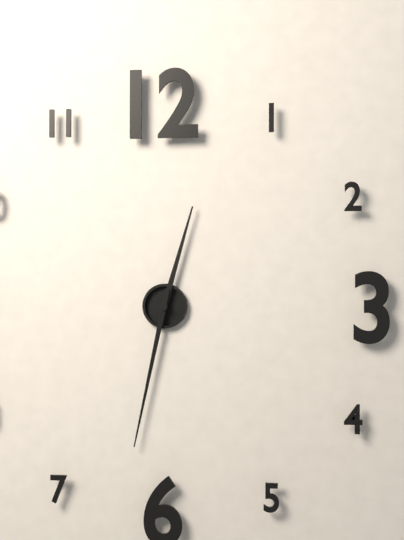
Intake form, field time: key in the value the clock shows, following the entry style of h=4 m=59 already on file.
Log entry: h=12 m=32
